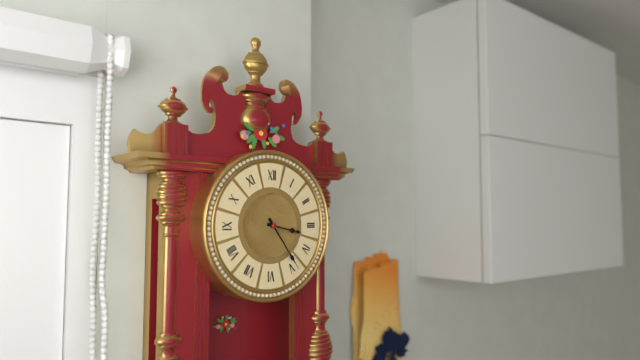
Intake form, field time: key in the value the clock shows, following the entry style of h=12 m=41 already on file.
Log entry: h=3 m=24
